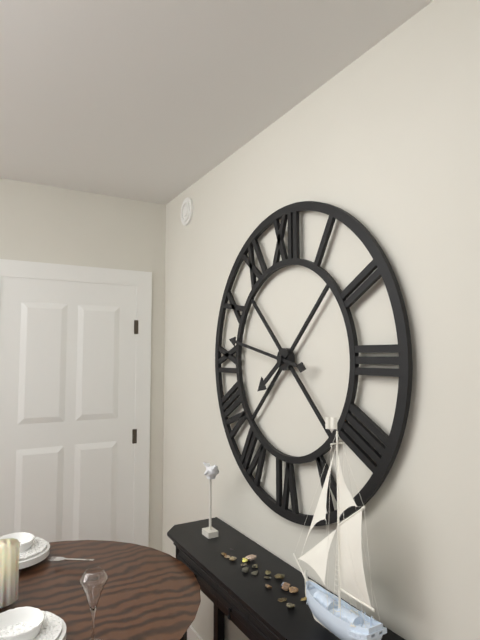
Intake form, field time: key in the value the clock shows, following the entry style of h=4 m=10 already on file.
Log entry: h=7 m=47
